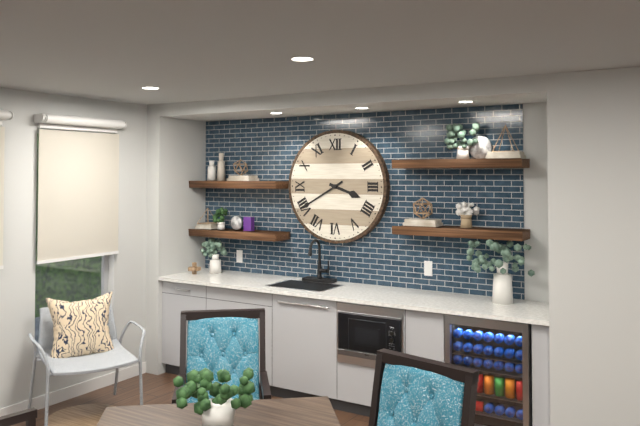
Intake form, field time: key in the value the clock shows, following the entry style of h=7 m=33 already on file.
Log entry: h=3 m=40
